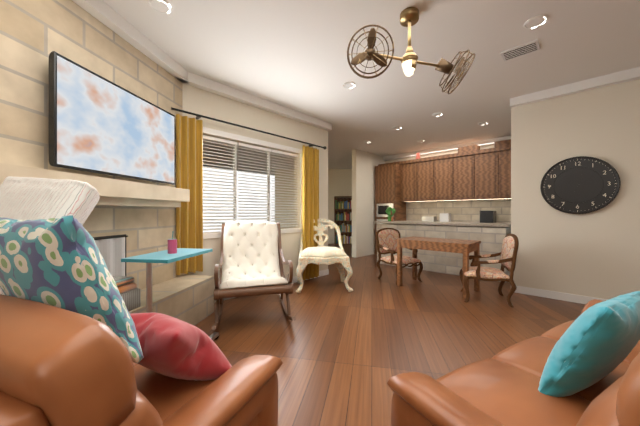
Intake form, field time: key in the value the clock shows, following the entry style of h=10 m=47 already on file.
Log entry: h=7 m=2
